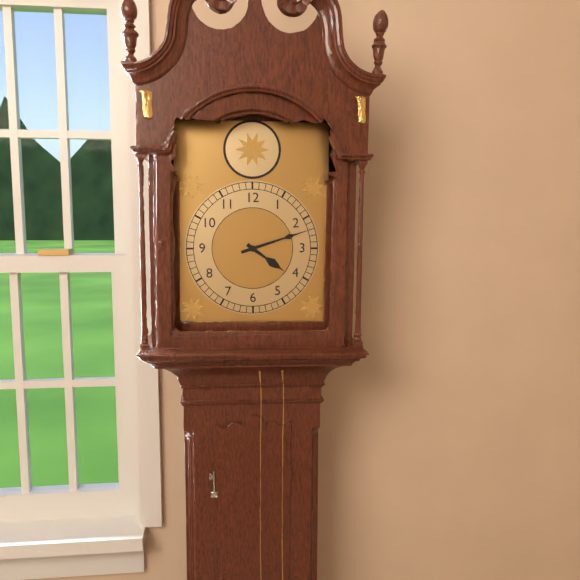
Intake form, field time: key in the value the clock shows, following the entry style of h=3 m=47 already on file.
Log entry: h=4 m=12
